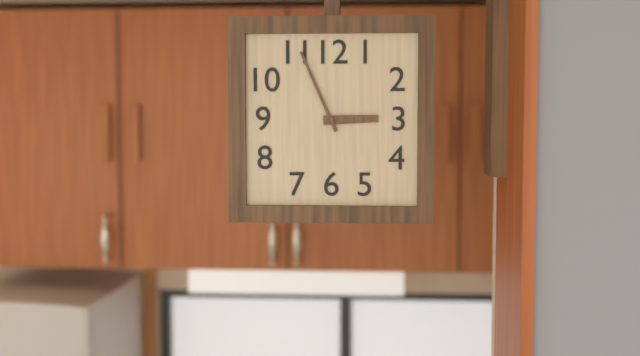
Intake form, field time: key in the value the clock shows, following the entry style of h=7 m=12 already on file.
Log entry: h=2 m=56
